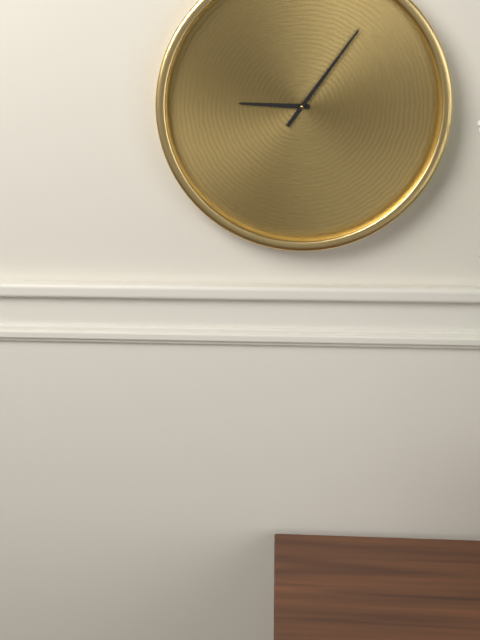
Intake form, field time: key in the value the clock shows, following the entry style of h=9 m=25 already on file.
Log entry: h=9 m=6
